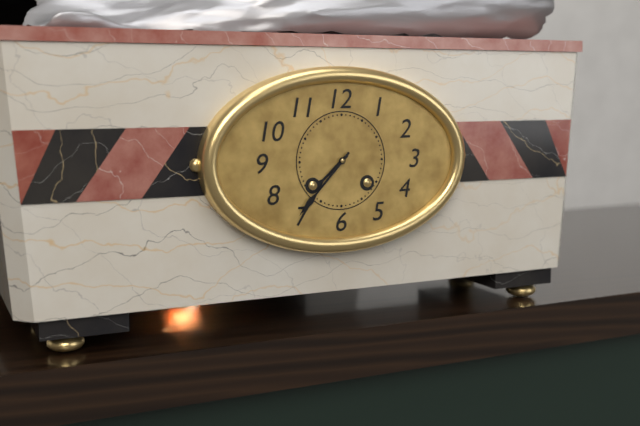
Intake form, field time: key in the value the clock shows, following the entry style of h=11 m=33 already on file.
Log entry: h=7 m=37
